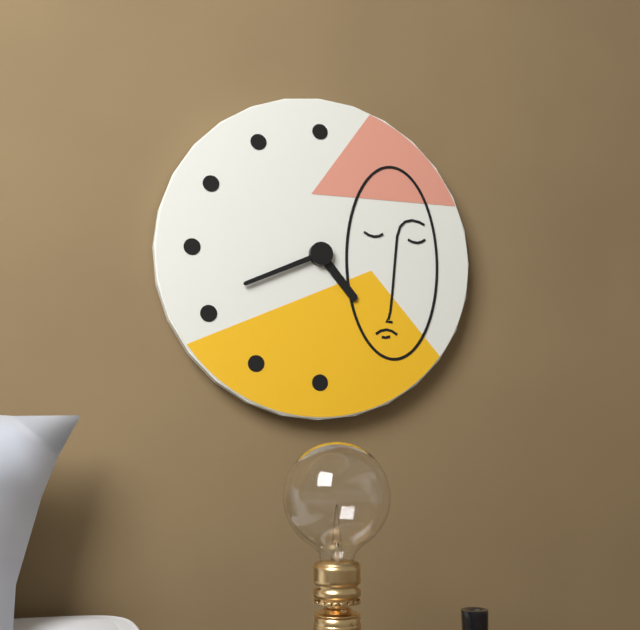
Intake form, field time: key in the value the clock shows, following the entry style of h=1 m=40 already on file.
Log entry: h=4 m=41
